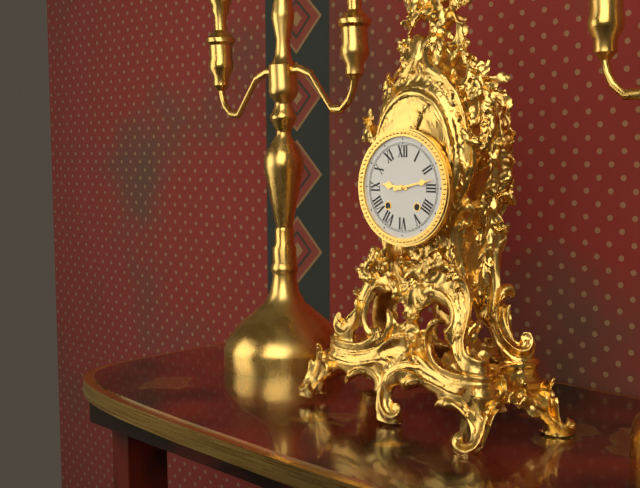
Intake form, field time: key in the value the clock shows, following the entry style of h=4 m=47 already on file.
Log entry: h=9 m=13
